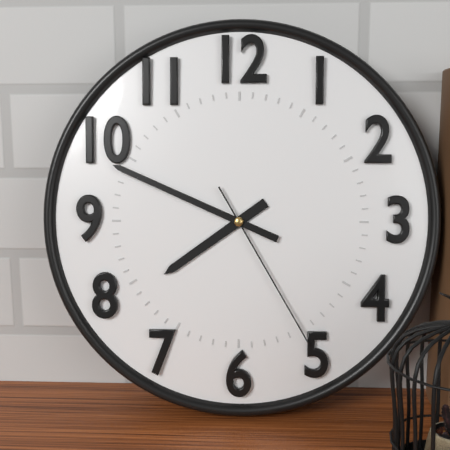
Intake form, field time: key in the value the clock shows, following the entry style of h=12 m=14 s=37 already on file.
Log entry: h=7 m=49 s=25
